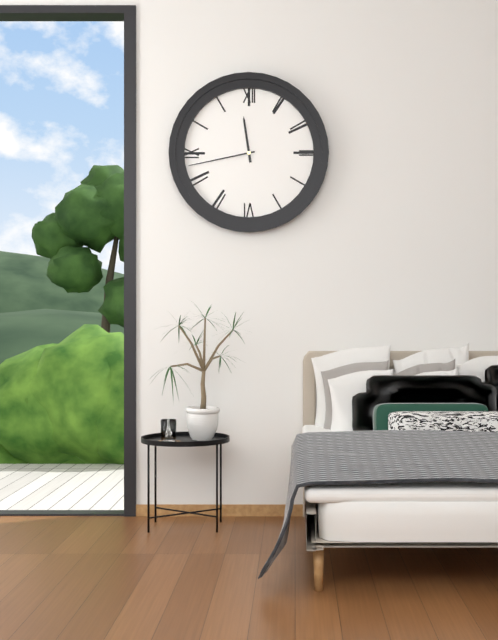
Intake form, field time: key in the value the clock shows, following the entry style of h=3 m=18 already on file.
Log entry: h=11 m=43
